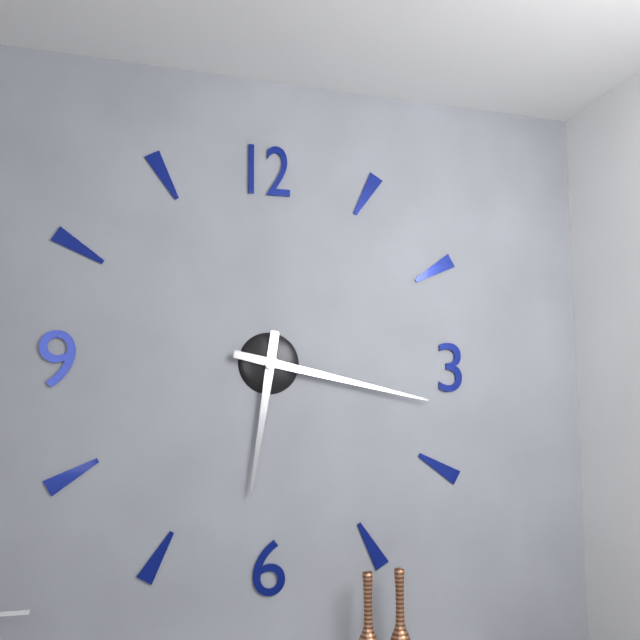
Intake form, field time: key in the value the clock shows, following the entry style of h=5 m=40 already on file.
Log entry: h=6 m=17
